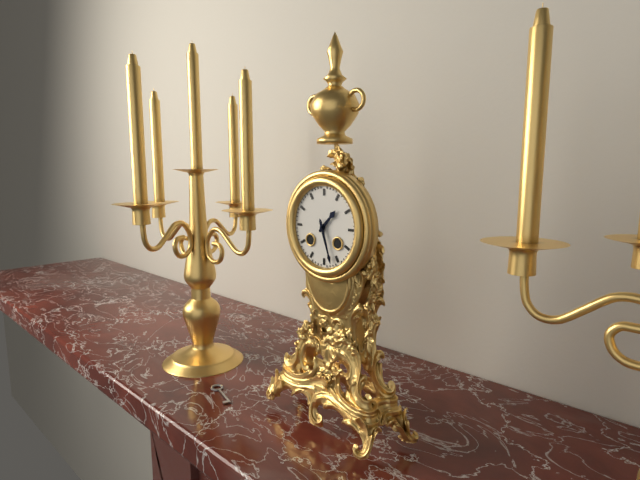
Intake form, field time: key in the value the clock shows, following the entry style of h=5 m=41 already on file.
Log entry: h=1 m=27
